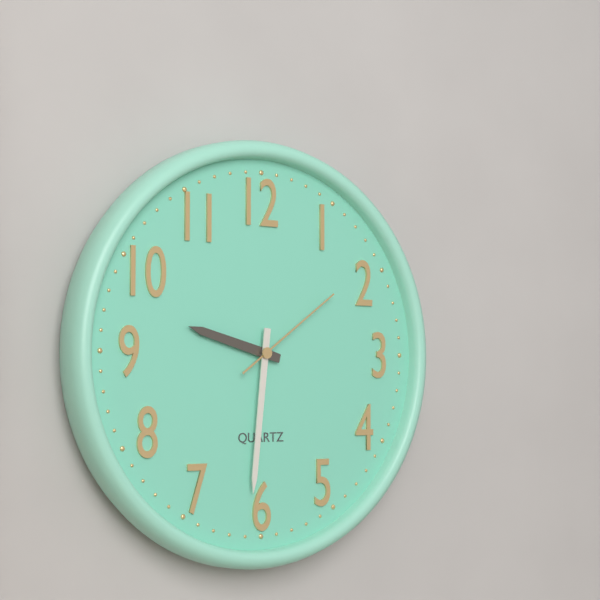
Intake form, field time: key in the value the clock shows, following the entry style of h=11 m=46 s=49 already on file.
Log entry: h=9 m=31 s=9
